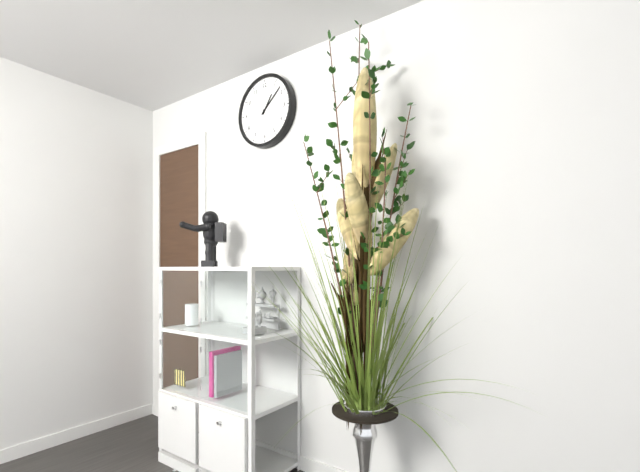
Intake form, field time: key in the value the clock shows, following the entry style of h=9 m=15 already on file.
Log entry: h=1 m=8
